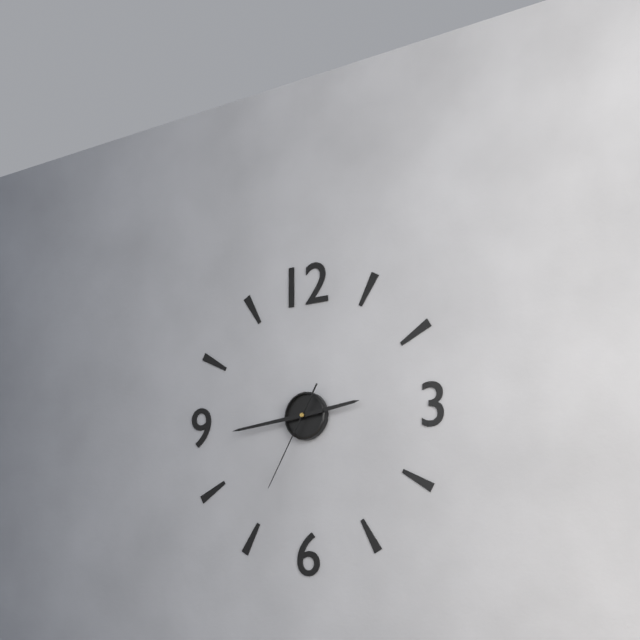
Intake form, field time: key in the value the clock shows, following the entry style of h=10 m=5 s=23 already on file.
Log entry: h=2 m=44 s=35
